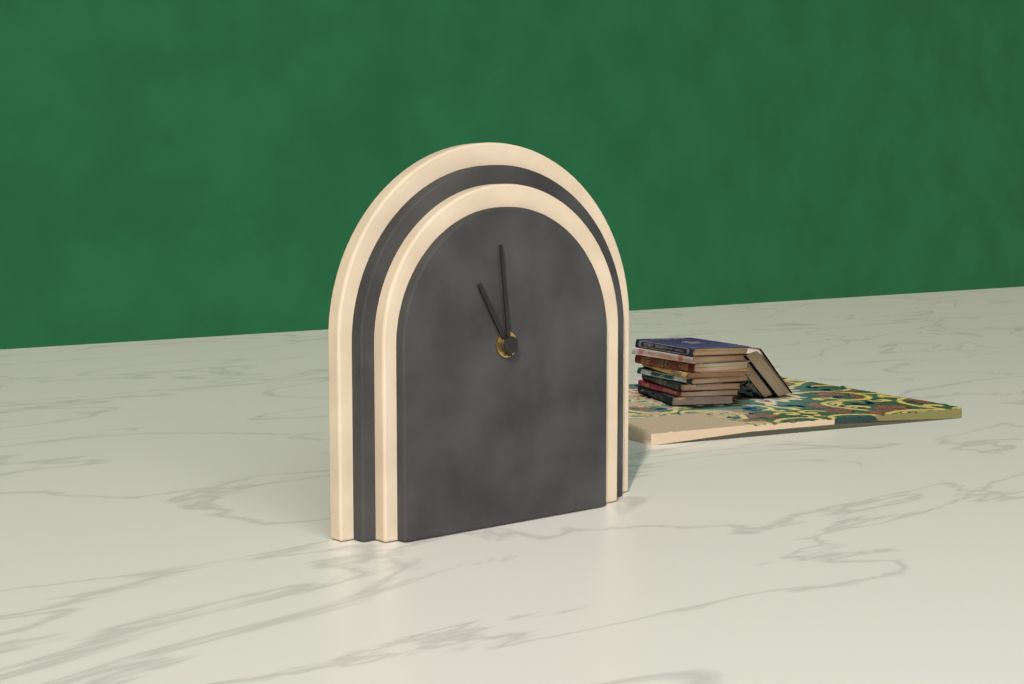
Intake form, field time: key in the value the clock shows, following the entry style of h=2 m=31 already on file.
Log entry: h=10 m=59
